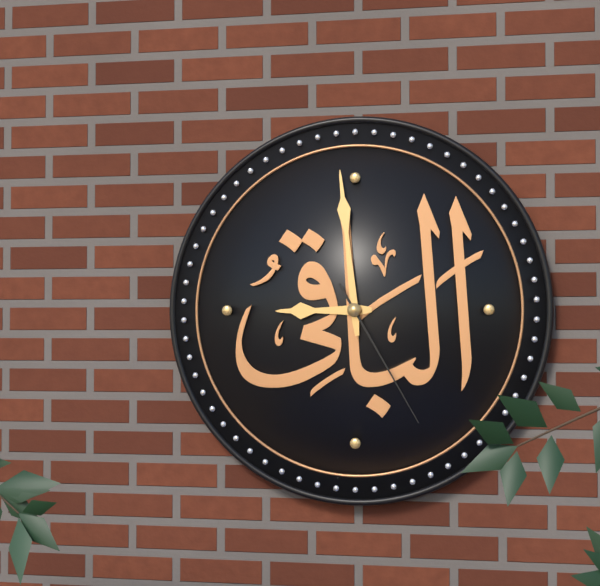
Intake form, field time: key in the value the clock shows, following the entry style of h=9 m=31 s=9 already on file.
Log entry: h=8 m=59 s=25
